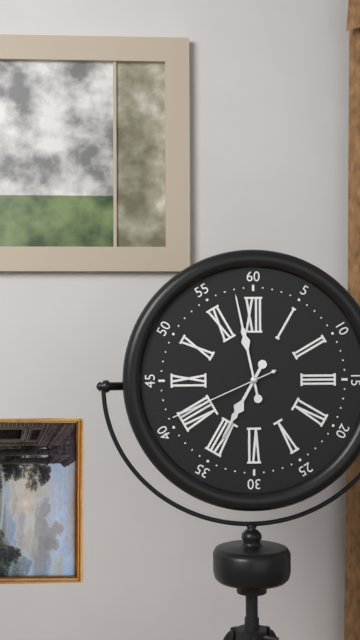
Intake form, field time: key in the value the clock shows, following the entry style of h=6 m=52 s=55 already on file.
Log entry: h=6 m=58 s=41
